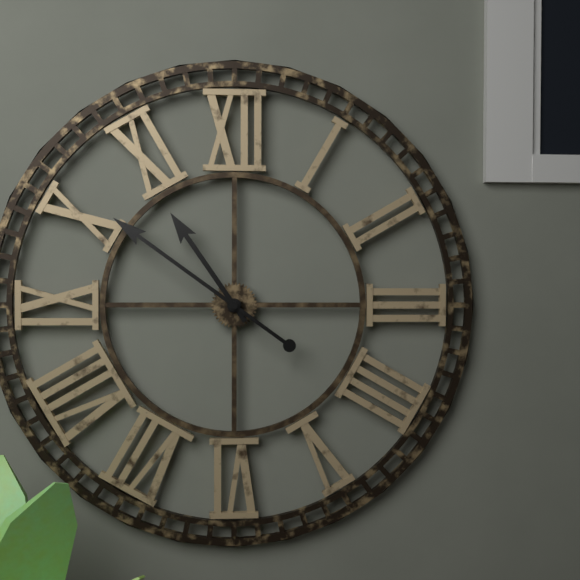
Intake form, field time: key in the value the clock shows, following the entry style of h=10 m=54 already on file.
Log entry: h=10 m=51
